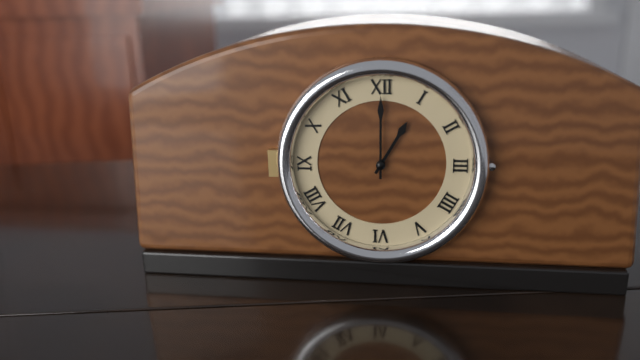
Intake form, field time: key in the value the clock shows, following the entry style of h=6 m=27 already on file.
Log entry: h=1 m=0
